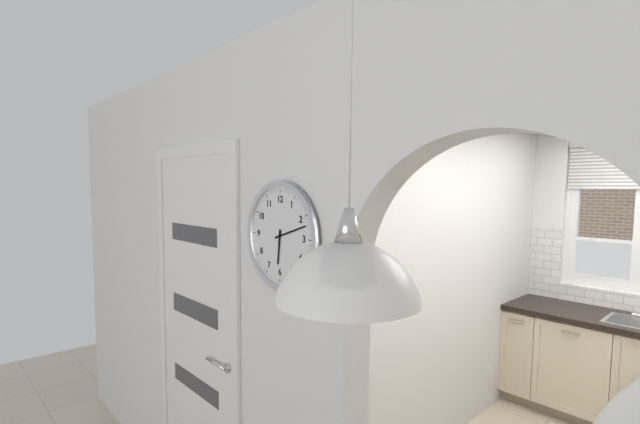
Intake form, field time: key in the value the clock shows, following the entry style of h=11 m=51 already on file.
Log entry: h=6 m=12
